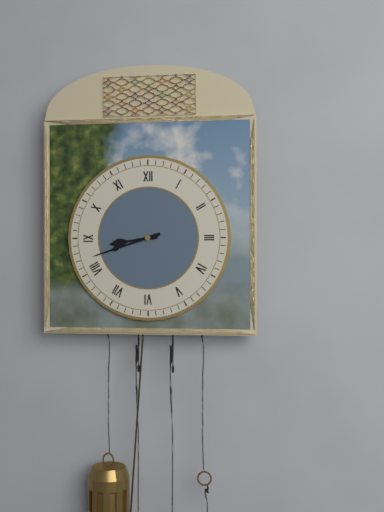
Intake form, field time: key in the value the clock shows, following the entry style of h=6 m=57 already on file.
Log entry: h=8 m=42
